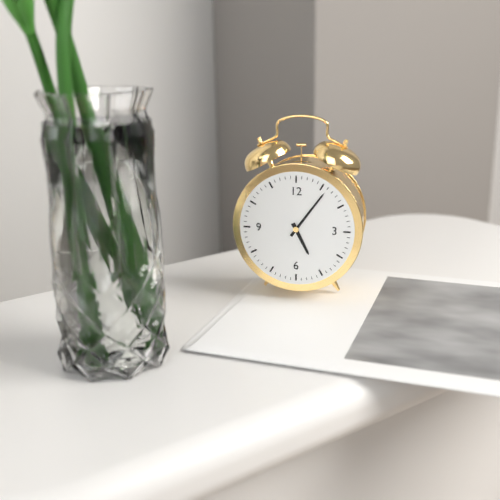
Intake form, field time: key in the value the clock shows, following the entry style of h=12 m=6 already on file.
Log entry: h=5 m=6
